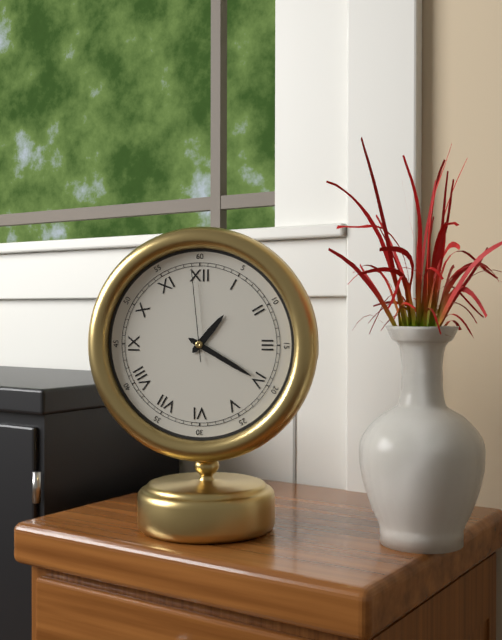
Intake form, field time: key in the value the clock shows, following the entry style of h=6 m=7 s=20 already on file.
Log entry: h=1 m=20 s=59
